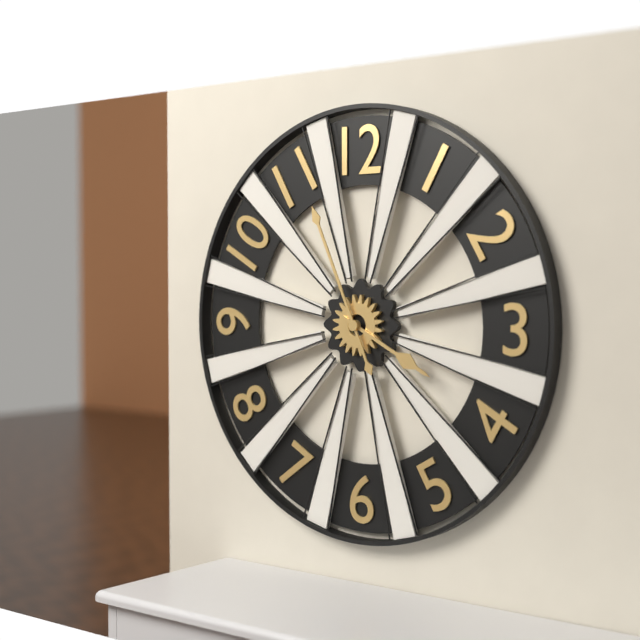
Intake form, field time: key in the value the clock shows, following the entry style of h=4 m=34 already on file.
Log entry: h=3 m=56
